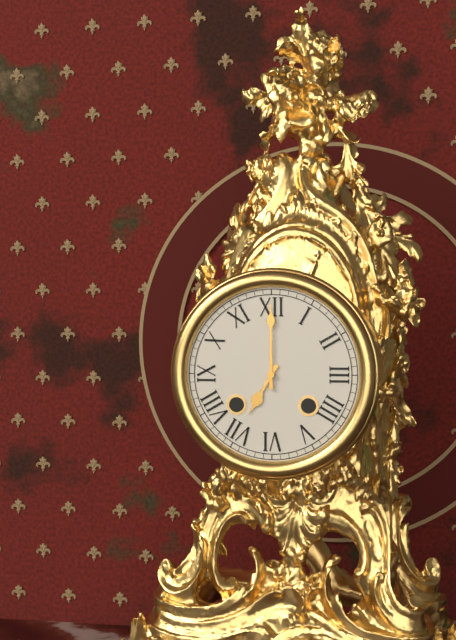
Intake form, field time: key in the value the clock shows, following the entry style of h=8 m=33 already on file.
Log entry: h=7 m=0
